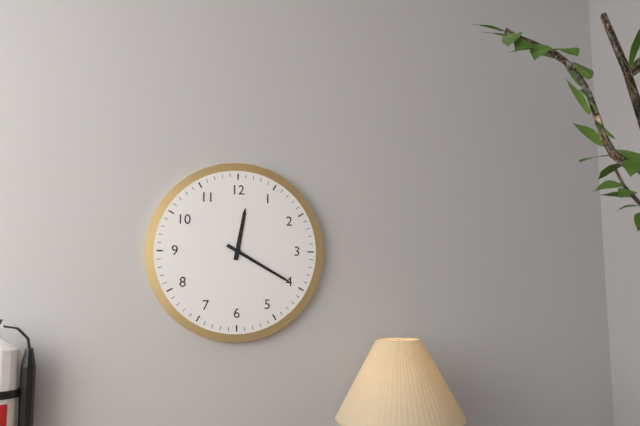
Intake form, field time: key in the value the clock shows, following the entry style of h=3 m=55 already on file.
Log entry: h=12 m=20
